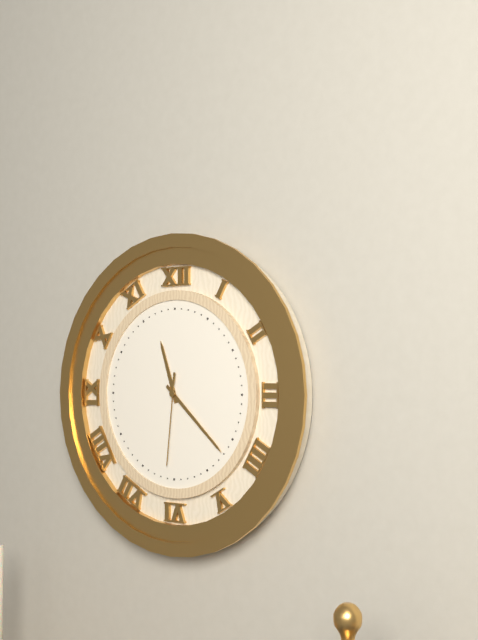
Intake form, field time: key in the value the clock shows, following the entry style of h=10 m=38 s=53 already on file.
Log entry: h=11 m=22 s=31
